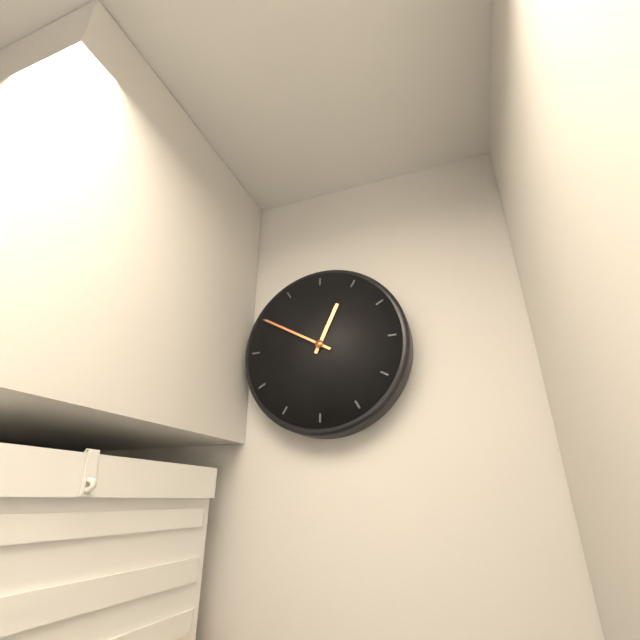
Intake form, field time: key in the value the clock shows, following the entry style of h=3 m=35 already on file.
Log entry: h=12 m=50
